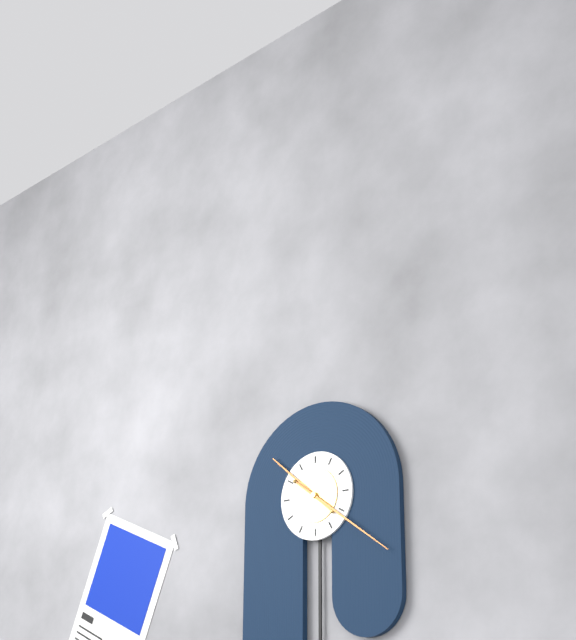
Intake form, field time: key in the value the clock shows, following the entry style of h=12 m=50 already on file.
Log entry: h=10 m=21
